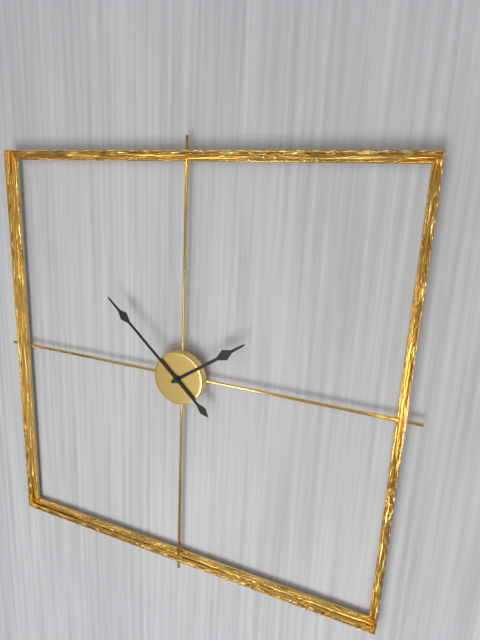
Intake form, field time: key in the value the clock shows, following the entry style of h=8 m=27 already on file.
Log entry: h=1 m=52
